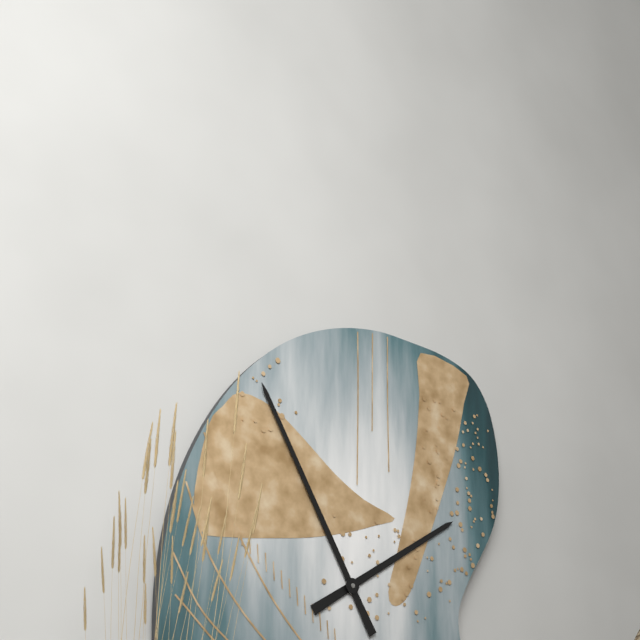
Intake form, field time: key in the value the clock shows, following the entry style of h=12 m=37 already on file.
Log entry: h=1 m=55
